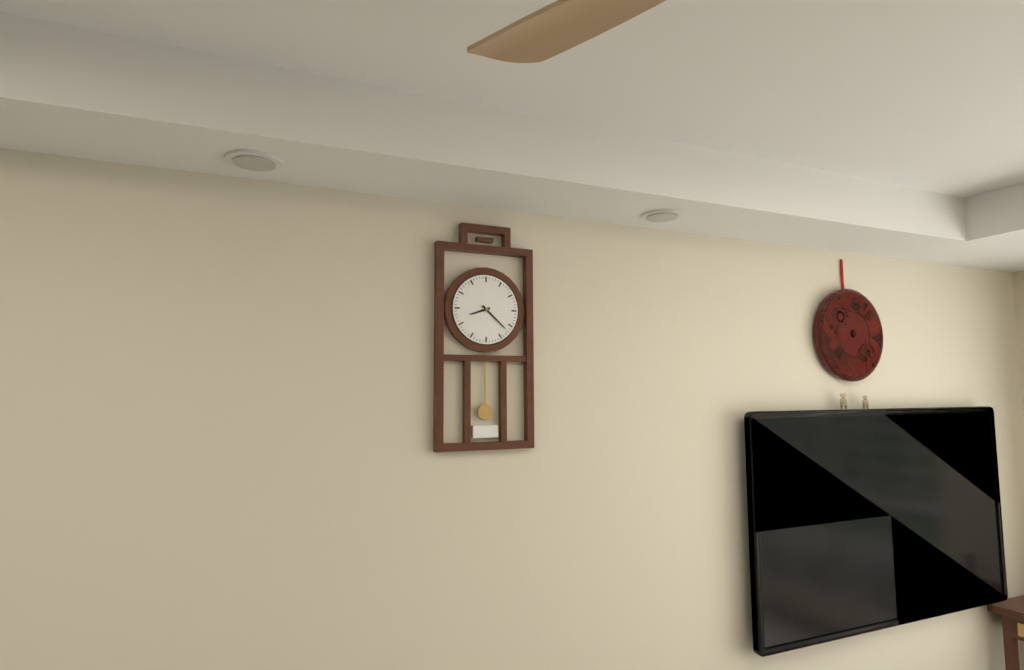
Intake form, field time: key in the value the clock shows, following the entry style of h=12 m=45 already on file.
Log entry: h=8 m=22
